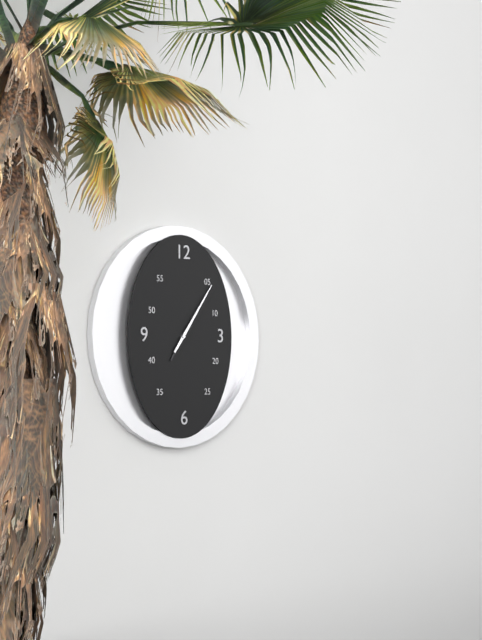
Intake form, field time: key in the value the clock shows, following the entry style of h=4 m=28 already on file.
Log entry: h=7 m=6
